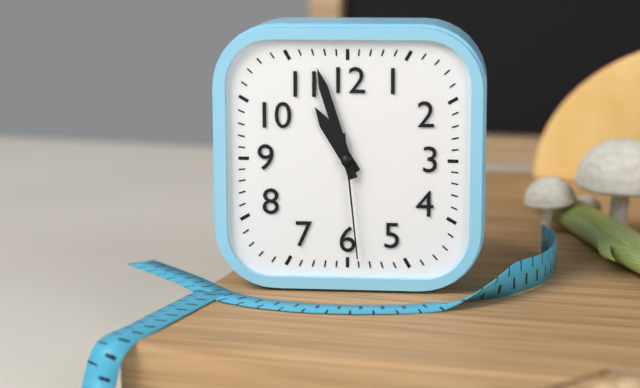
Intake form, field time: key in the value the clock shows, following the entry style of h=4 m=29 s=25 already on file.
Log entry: h=10 m=57 s=29
